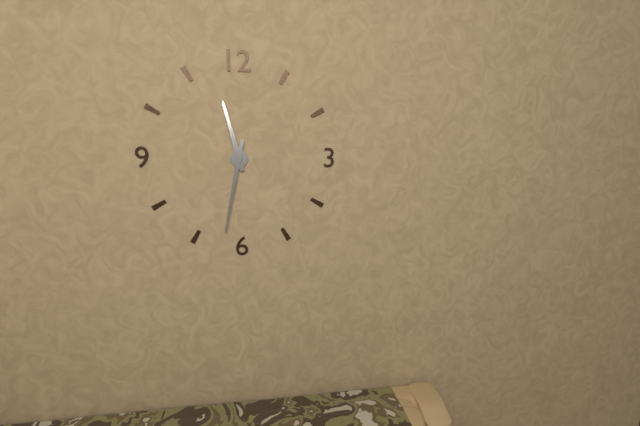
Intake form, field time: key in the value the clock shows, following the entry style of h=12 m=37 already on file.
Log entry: h=11 m=32
